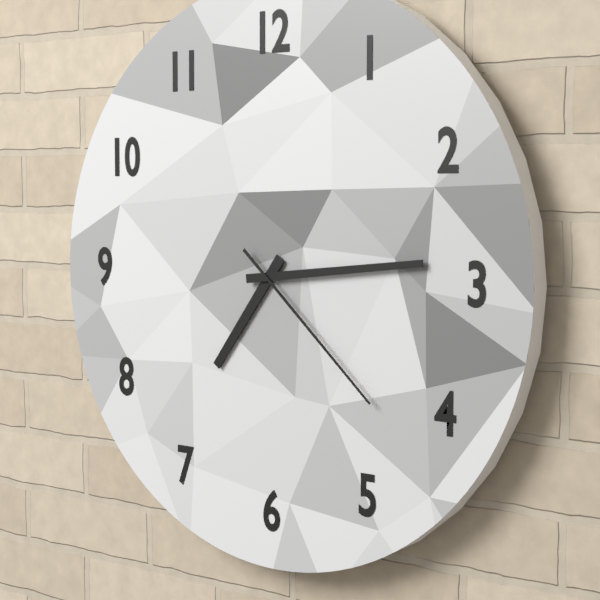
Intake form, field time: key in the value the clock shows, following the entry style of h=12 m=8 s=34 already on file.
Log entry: h=7 m=14 s=22
